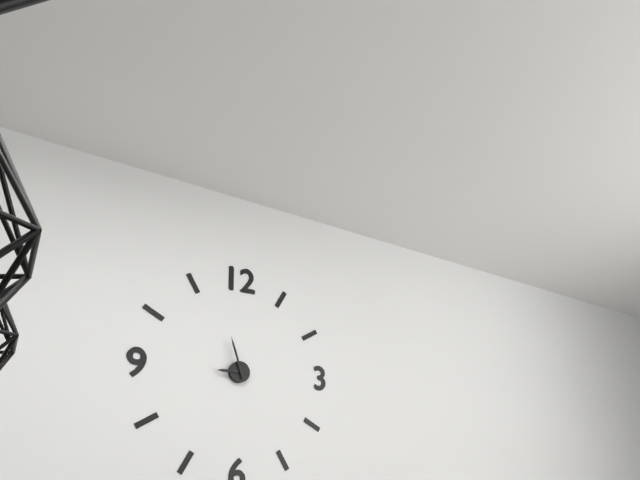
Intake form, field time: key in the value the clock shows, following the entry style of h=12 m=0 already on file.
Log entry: h=8 m=57
